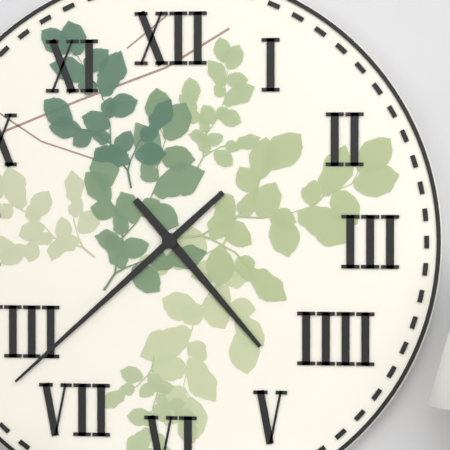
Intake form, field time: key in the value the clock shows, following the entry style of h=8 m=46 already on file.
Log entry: h=4 m=38
